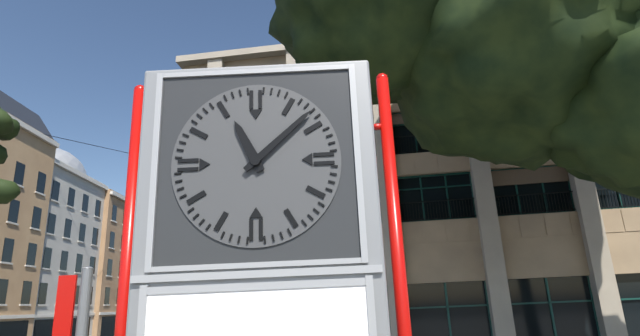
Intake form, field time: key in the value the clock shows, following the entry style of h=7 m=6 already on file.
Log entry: h=11 m=8
